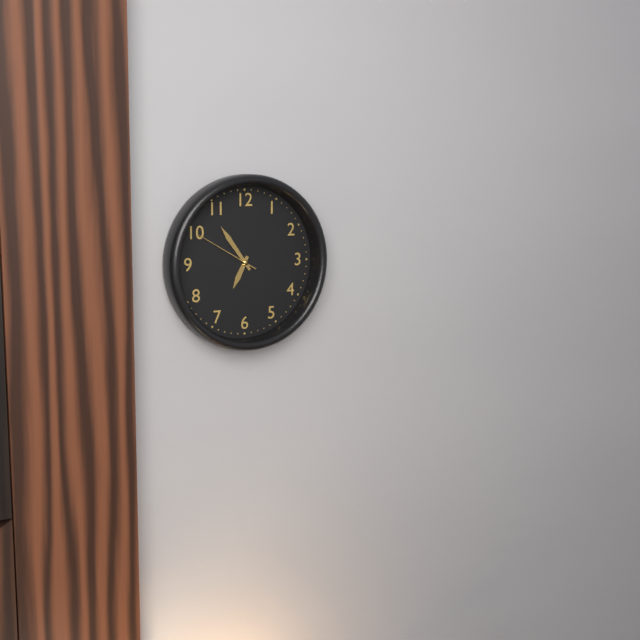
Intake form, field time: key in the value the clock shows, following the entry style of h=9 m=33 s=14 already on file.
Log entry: h=6 m=54 s=50
